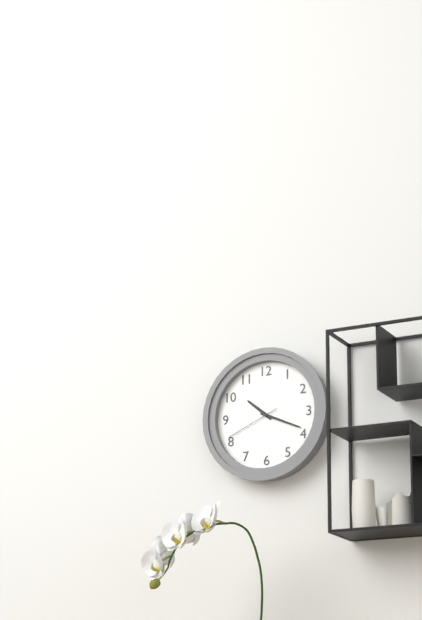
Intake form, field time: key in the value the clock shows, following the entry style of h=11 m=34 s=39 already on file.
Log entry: h=10 m=19 s=41
